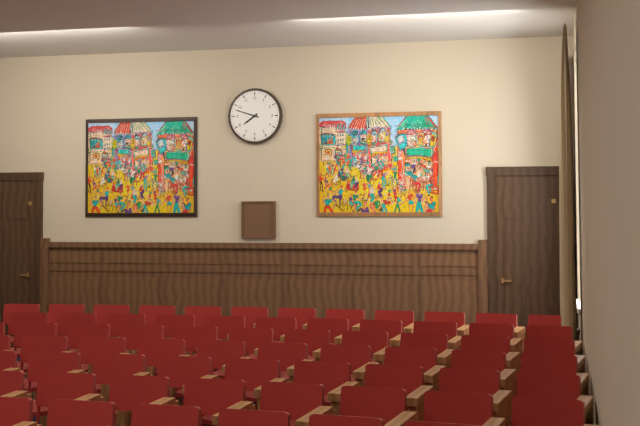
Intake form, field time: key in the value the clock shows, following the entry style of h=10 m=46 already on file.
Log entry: h=7 m=48
